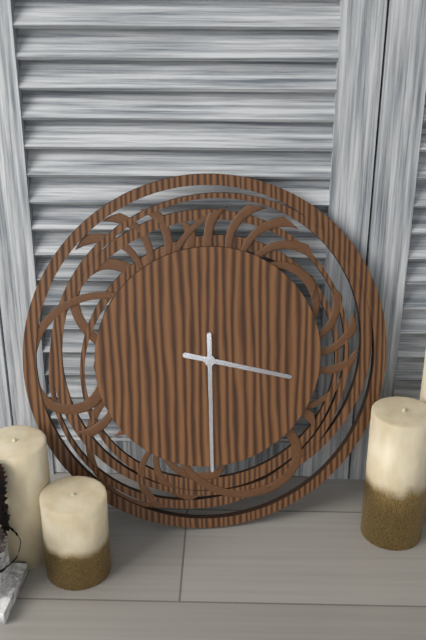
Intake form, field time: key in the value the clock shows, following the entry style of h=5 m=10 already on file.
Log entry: h=3 m=30
